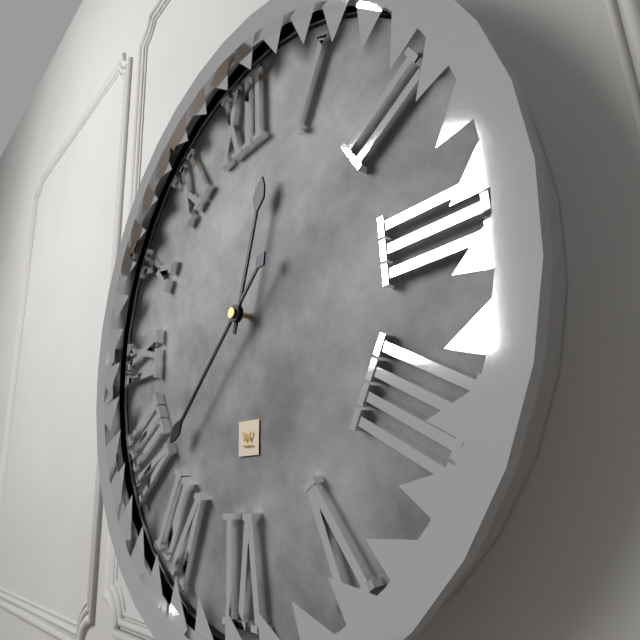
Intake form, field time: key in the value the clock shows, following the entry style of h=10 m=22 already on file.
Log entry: h=12 m=38
